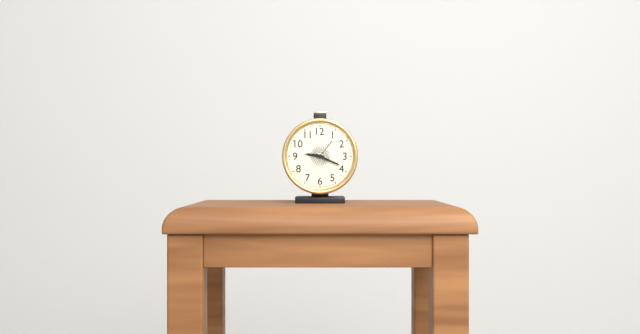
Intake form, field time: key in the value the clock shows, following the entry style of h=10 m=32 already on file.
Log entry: h=9 m=19
